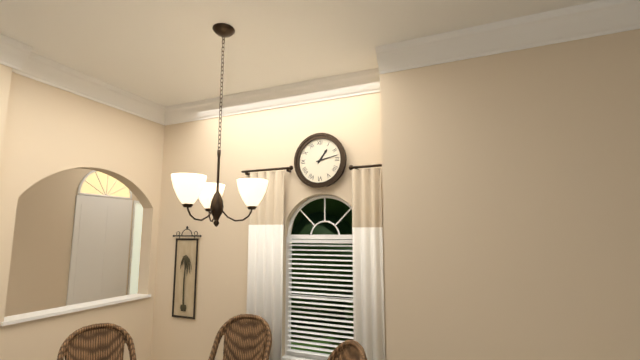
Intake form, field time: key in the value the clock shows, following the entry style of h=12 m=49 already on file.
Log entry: h=1 m=13
